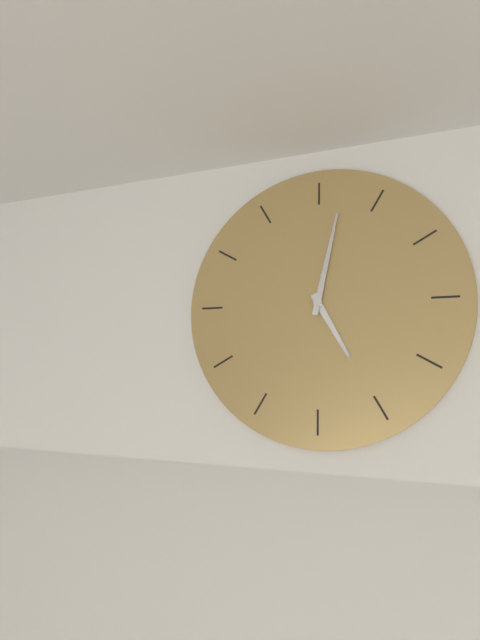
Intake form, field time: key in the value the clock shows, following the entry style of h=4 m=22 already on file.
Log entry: h=5 m=2
